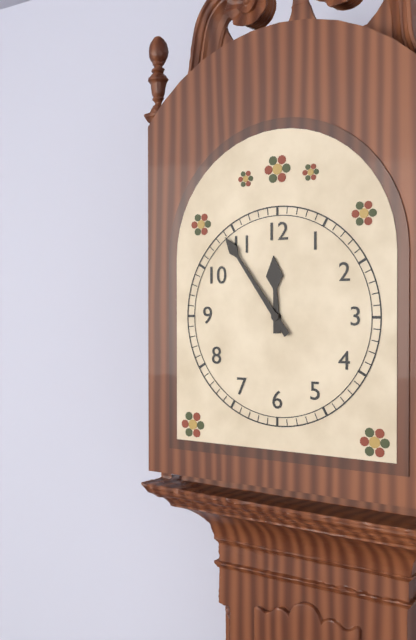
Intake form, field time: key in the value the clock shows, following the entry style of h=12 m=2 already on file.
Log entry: h=11 m=54
